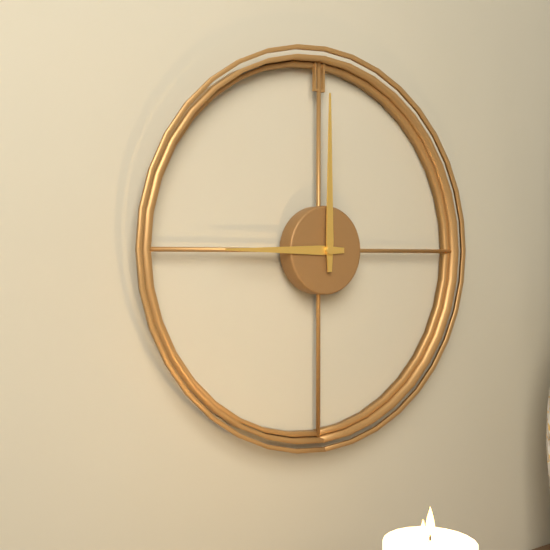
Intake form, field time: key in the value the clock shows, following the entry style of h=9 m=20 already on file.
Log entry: h=9 m=0
